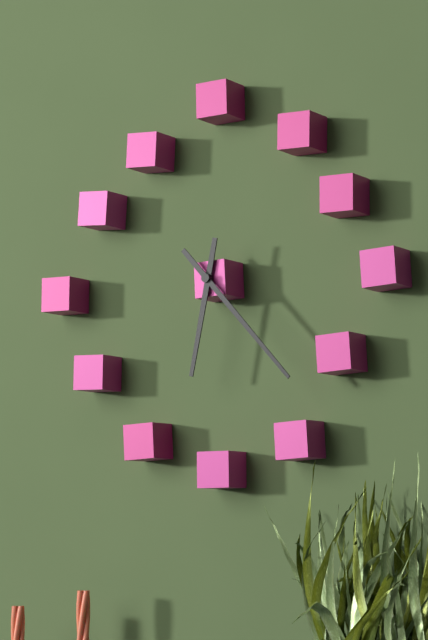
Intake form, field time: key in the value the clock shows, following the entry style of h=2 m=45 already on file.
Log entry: h=6 m=23
